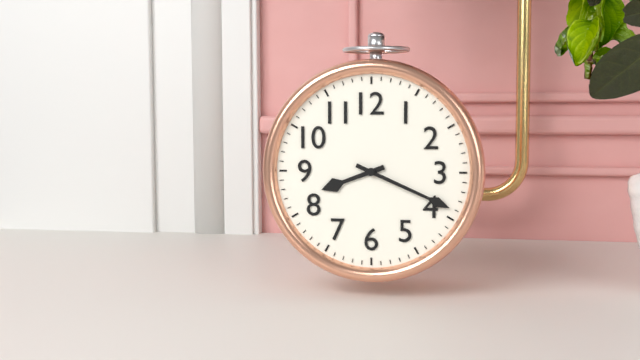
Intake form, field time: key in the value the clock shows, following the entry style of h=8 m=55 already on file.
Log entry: h=8 m=19
